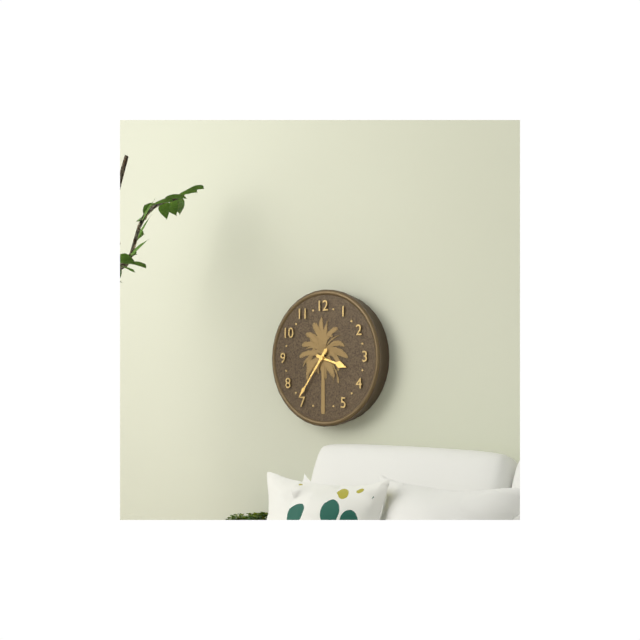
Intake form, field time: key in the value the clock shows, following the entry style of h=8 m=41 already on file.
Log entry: h=3 m=36
